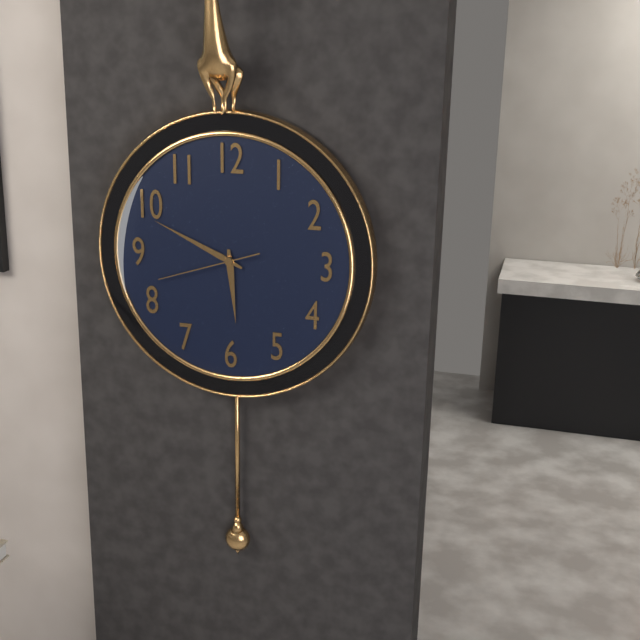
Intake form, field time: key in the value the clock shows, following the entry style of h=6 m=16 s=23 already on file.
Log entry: h=5 m=49 s=42
